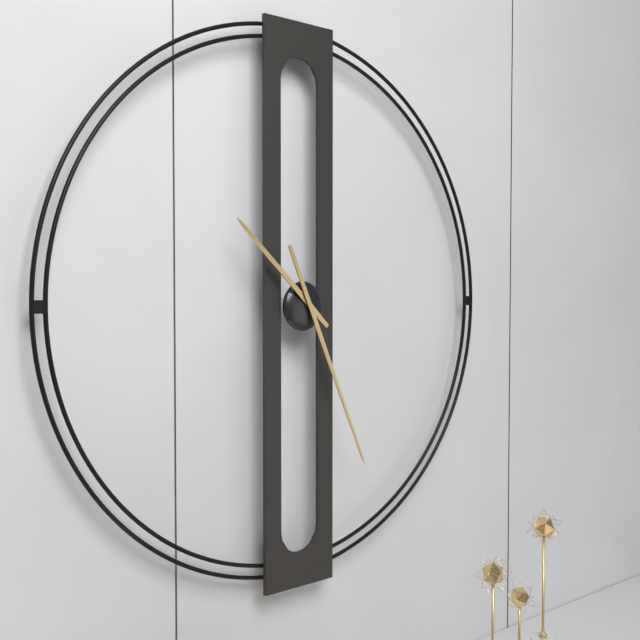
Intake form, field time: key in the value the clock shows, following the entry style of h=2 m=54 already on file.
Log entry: h=10 m=26
